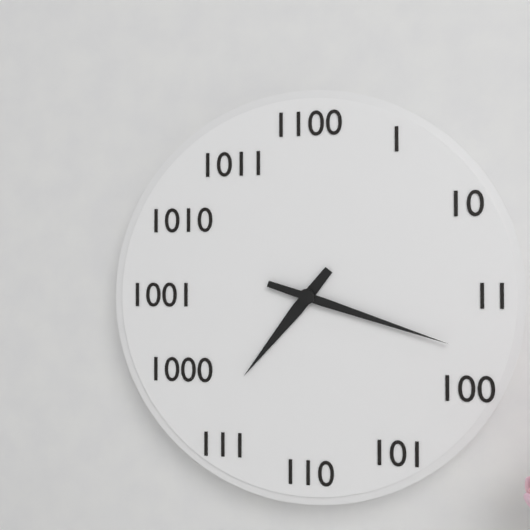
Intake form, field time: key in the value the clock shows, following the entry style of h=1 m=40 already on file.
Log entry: h=7 m=18
